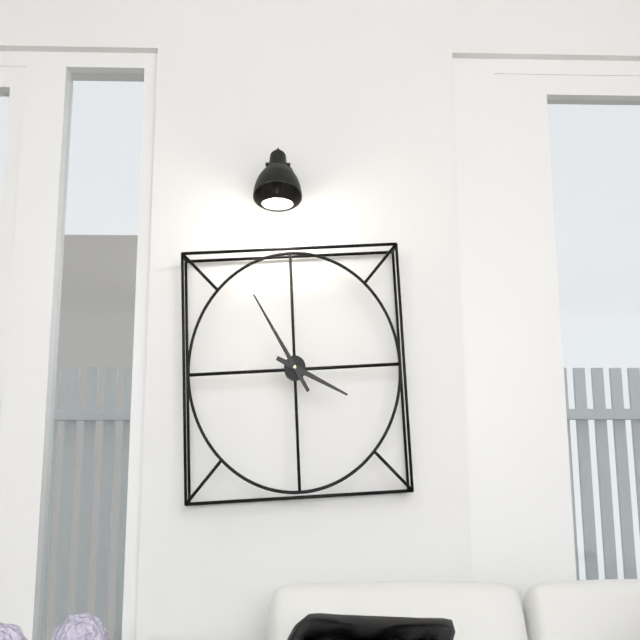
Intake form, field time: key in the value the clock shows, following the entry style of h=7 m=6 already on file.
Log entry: h=3 m=55
